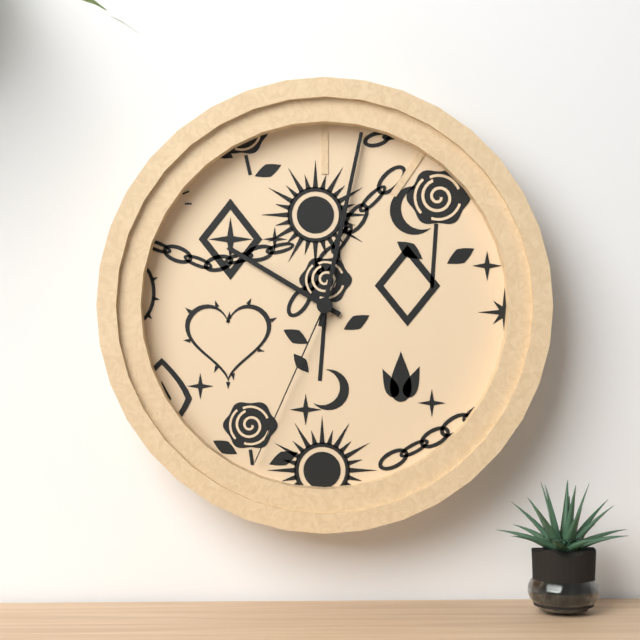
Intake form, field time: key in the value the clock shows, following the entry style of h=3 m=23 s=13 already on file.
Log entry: h=10 m=2 s=34
